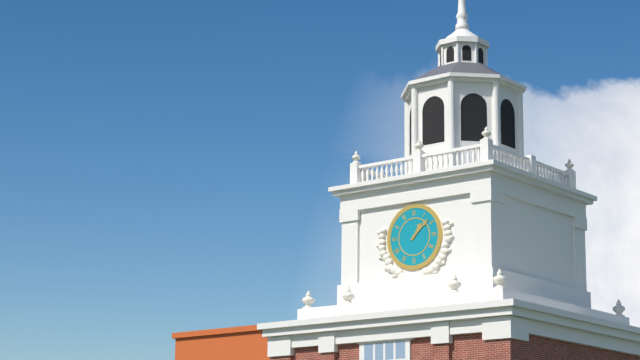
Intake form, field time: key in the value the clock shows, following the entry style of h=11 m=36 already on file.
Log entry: h=1 m=8
